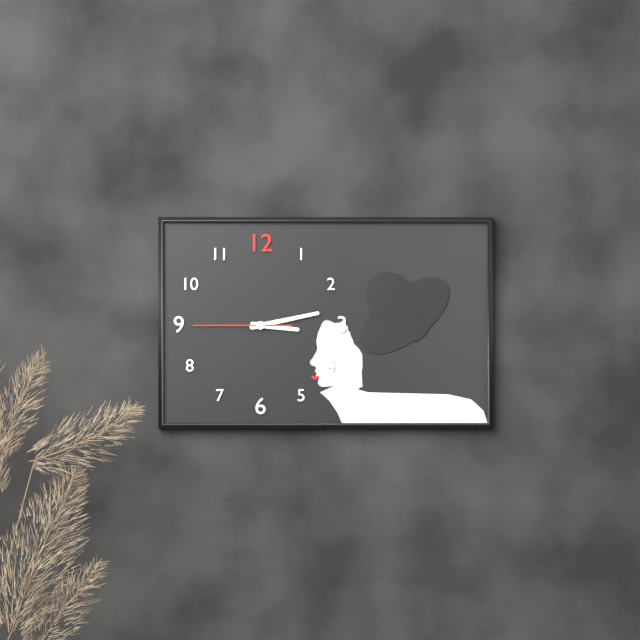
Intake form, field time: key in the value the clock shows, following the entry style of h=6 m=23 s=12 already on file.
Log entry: h=3 m=13 s=45
